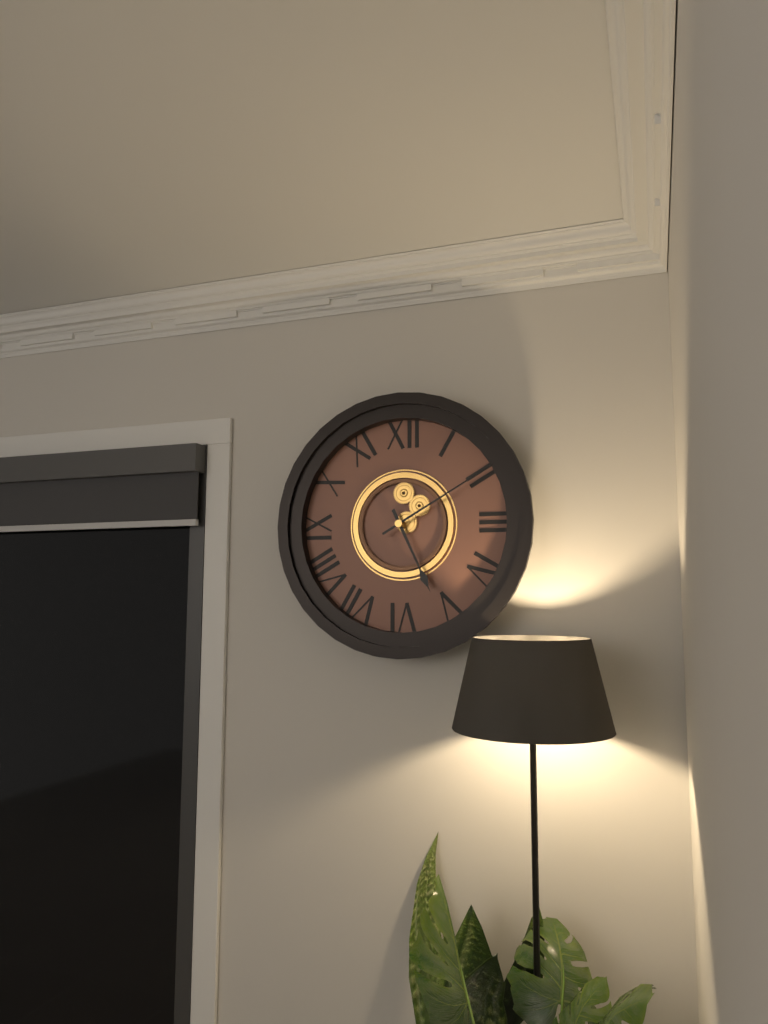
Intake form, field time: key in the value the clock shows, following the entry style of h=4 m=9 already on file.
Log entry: h=5 m=10
